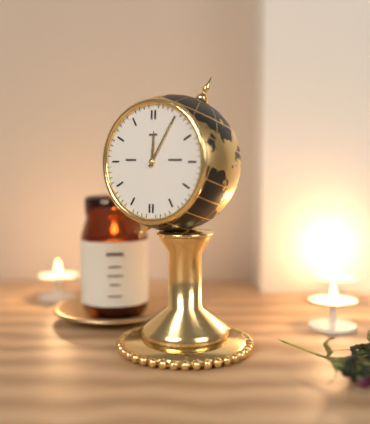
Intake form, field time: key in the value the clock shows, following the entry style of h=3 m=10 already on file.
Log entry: h=12 m=5
